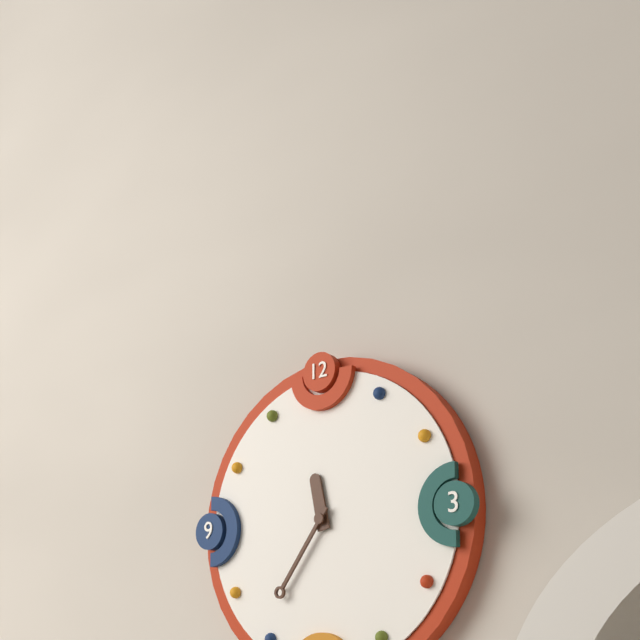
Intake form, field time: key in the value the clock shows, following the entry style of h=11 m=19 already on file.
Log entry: h=11 m=36
